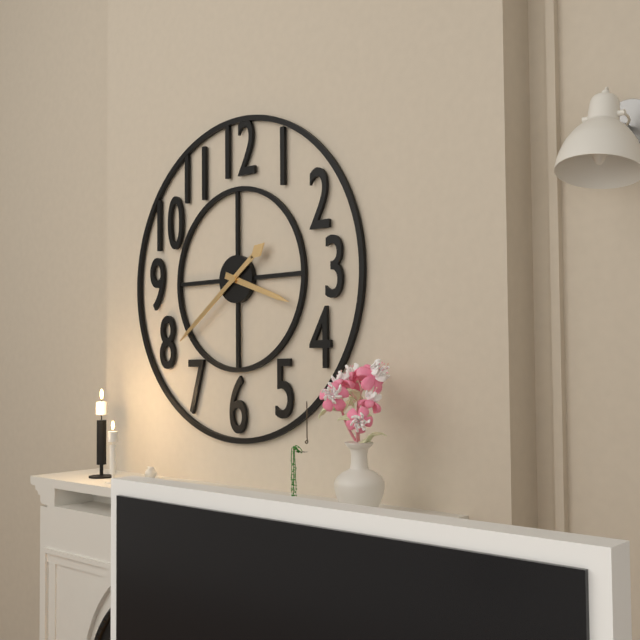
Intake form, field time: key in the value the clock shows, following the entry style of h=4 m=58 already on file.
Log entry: h=3 m=39
